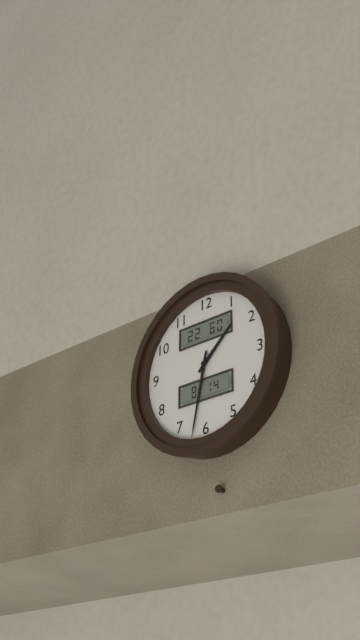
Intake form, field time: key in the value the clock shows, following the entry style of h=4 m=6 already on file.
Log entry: h=1 m=32
